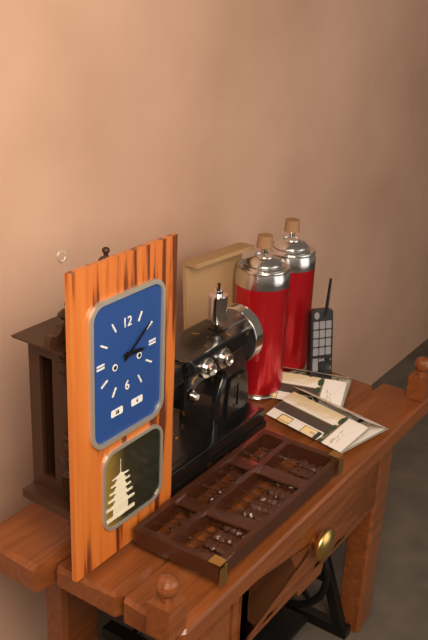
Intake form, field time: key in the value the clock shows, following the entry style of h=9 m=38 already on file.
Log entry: h=3 m=9
